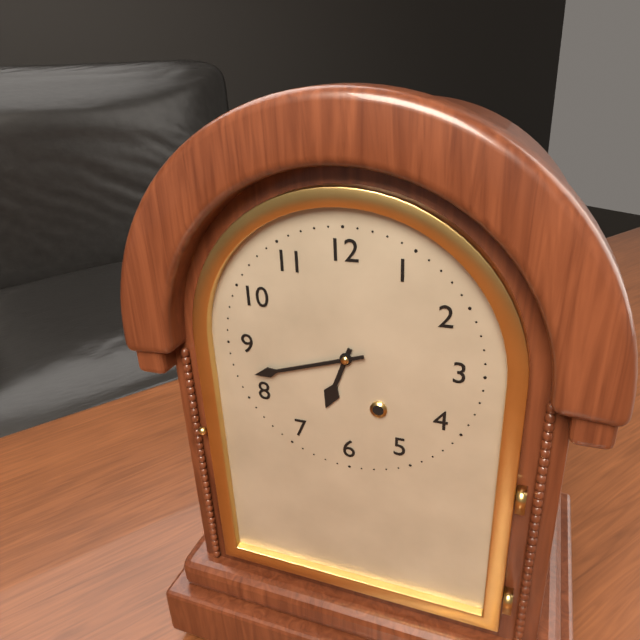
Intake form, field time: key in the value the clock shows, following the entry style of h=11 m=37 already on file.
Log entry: h=6 m=42
